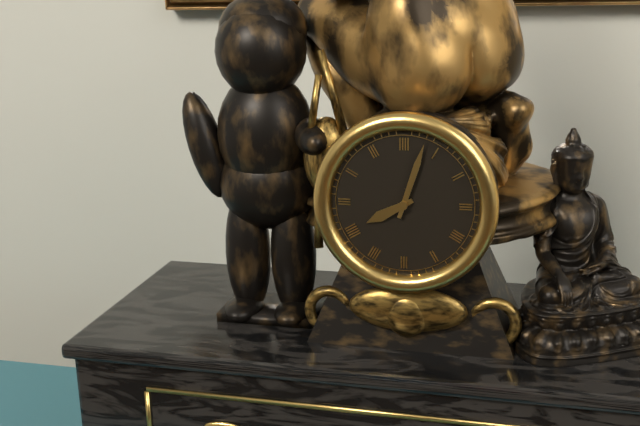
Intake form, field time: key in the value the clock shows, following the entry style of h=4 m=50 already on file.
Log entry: h=8 m=3
